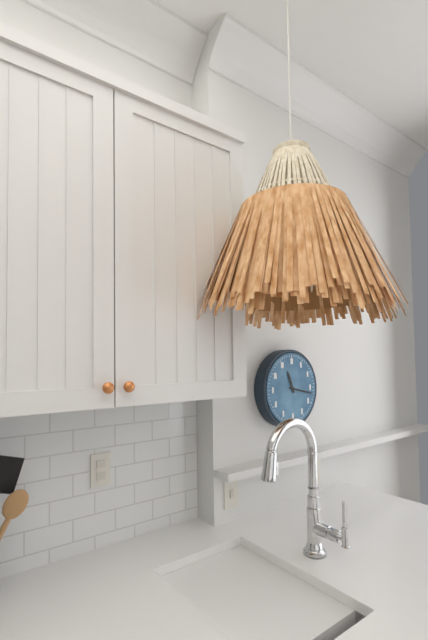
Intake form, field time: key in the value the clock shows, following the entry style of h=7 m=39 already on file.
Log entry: h=11 m=17
